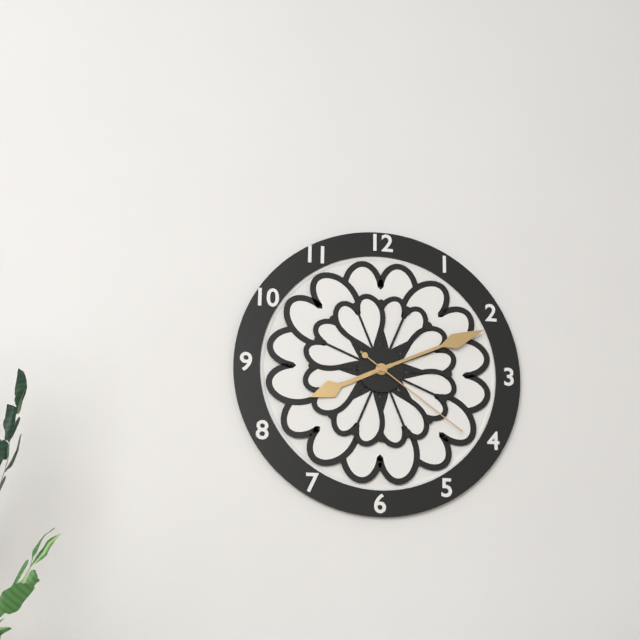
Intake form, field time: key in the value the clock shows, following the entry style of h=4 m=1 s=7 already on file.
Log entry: h=8 m=11 s=21
